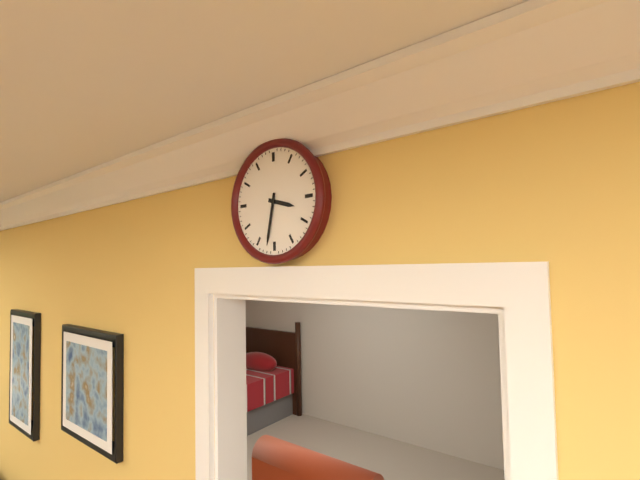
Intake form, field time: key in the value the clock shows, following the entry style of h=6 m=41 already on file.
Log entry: h=3 m=32
